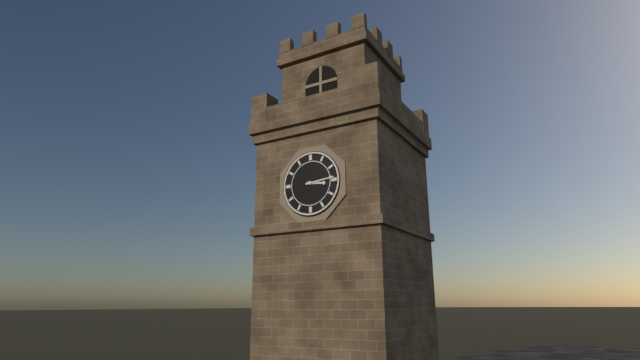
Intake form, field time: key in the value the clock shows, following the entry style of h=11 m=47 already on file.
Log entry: h=3 m=14
